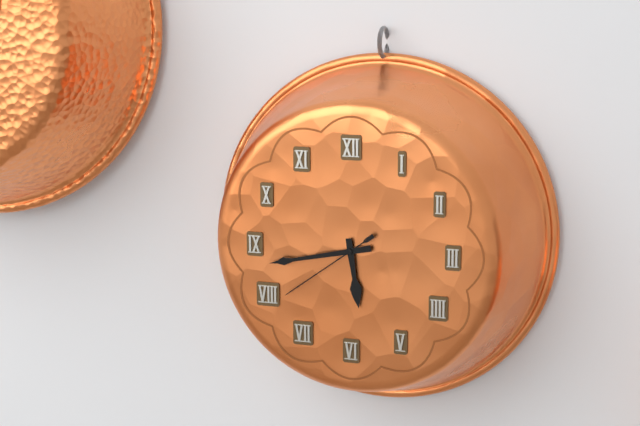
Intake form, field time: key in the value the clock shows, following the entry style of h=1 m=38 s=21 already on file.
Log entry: h=5 m=43 s=39
